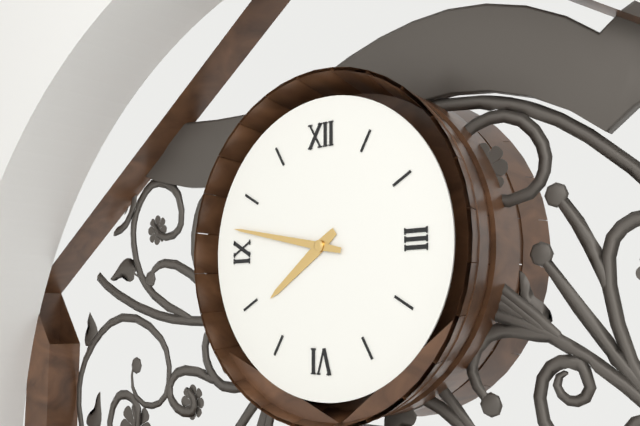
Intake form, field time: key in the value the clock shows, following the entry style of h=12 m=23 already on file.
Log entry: h=7 m=47
